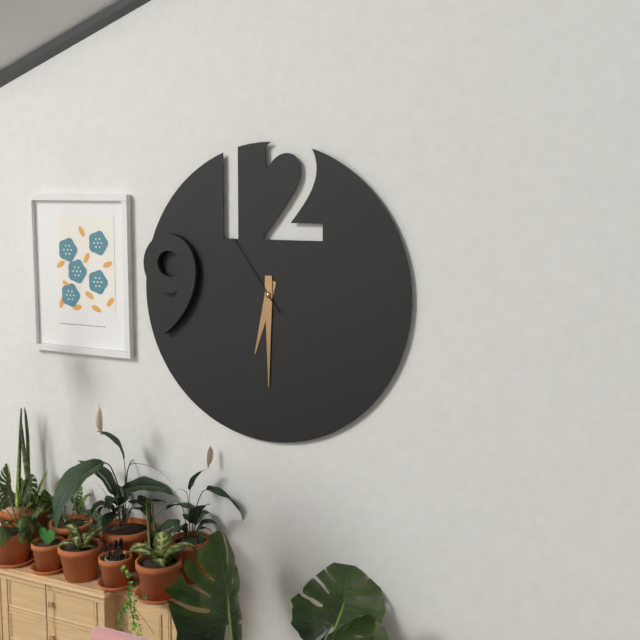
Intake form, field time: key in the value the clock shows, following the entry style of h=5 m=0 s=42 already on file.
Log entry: h=6 m=30 s=54
